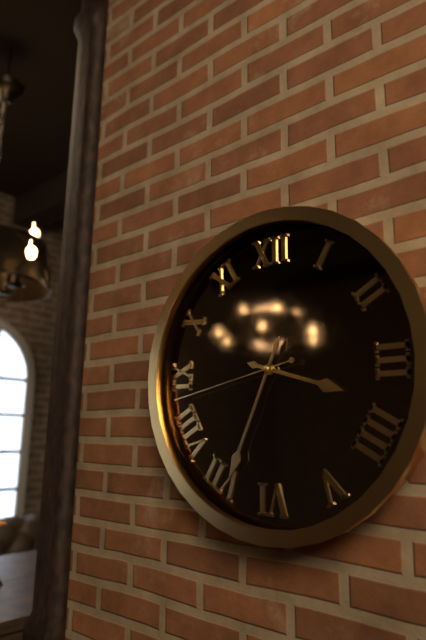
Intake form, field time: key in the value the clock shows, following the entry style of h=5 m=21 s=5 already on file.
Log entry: h=3 m=34 s=43
